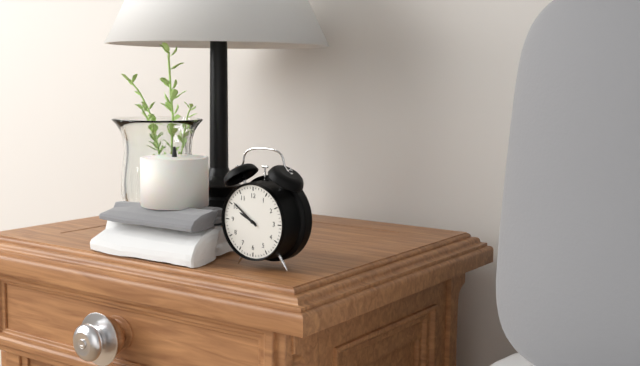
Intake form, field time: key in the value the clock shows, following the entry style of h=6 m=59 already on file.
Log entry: h=9 m=51
